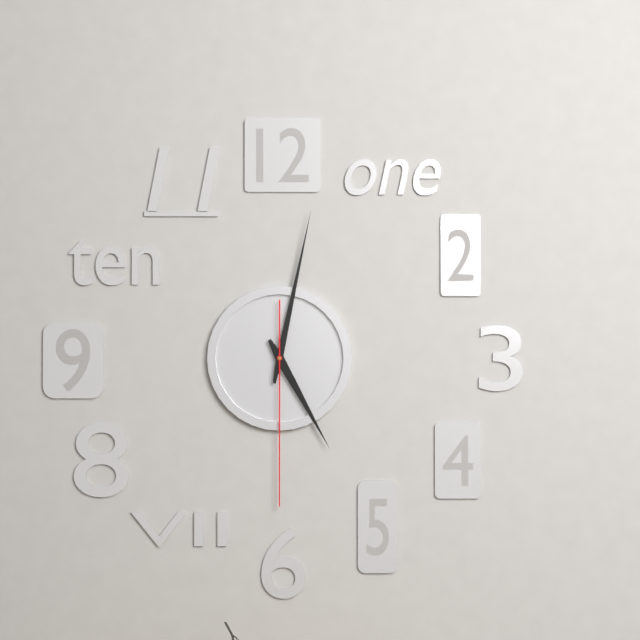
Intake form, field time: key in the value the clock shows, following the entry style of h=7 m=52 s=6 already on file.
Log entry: h=5 m=2 s=30
